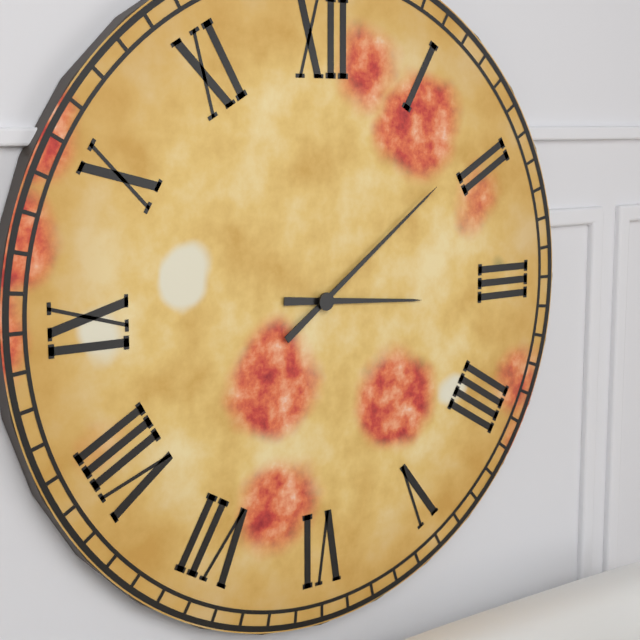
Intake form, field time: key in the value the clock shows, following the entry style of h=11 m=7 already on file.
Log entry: h=3 m=9
